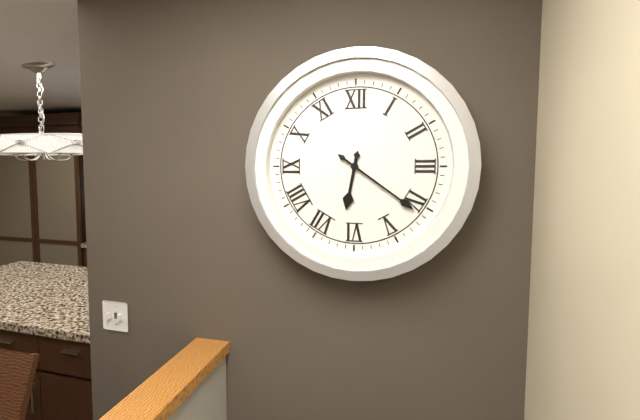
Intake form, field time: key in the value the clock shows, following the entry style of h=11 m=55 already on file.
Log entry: h=6 m=21
